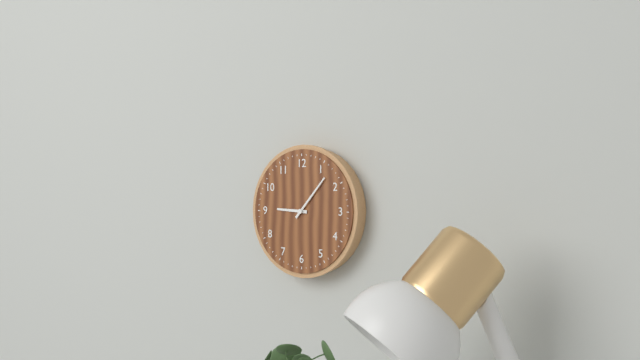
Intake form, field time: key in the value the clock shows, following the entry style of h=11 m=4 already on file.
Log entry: h=9 m=7
